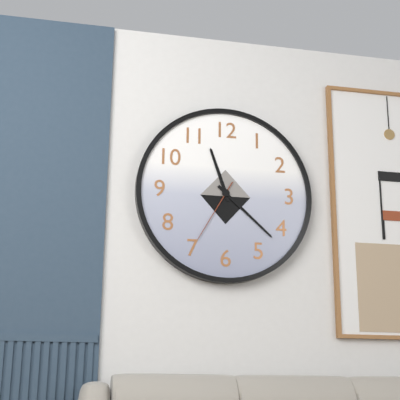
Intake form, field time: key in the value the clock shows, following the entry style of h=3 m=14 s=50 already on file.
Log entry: h=11 m=22 s=35
